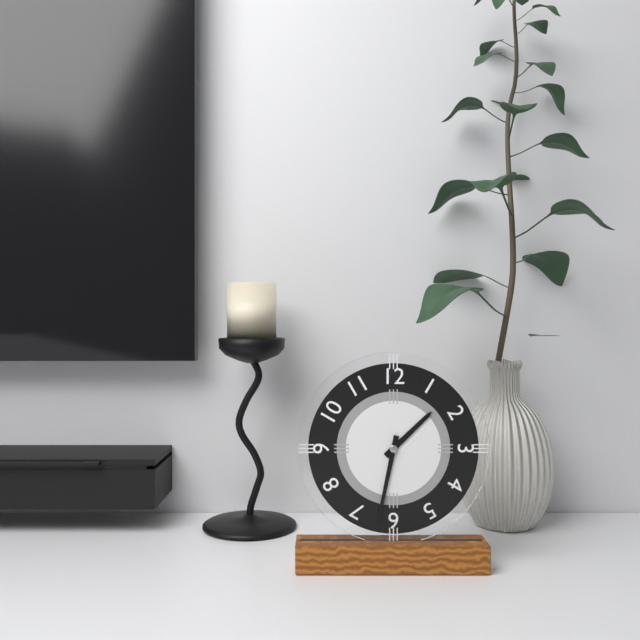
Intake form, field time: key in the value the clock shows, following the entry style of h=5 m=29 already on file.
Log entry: h=1 m=32
